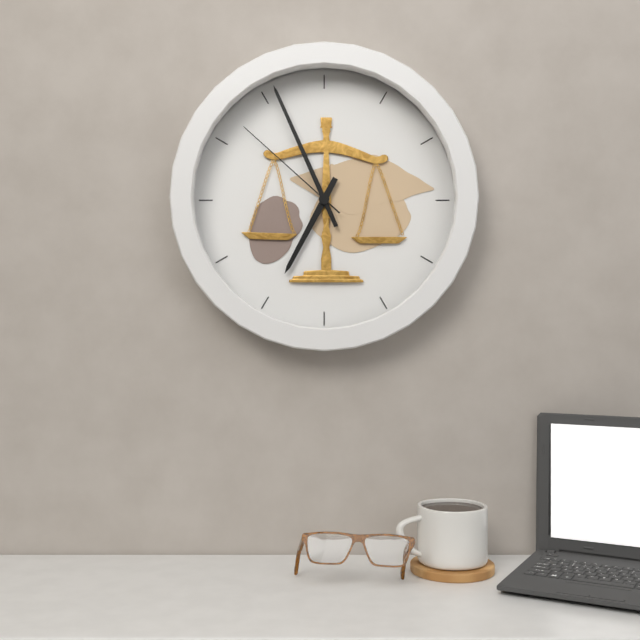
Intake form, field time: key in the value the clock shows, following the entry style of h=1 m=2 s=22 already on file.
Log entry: h=6 m=56 s=52
